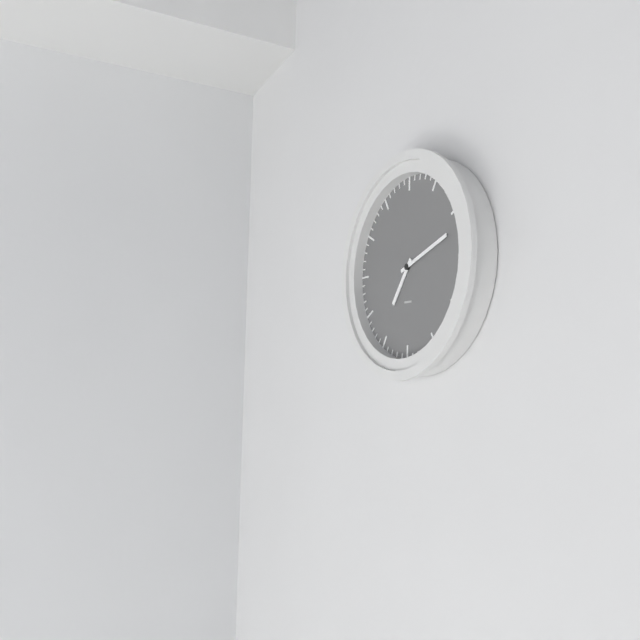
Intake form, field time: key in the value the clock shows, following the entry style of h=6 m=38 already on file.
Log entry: h=7 m=12
